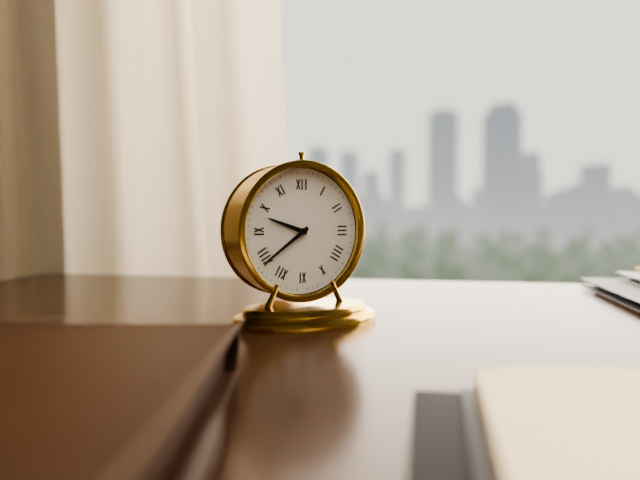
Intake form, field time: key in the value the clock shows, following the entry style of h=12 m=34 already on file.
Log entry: h=9 m=39
